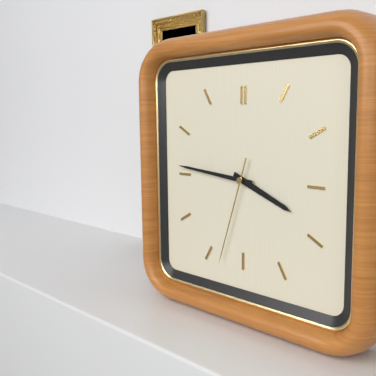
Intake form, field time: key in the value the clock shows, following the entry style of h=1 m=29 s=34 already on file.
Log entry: h=3 m=46 s=33
